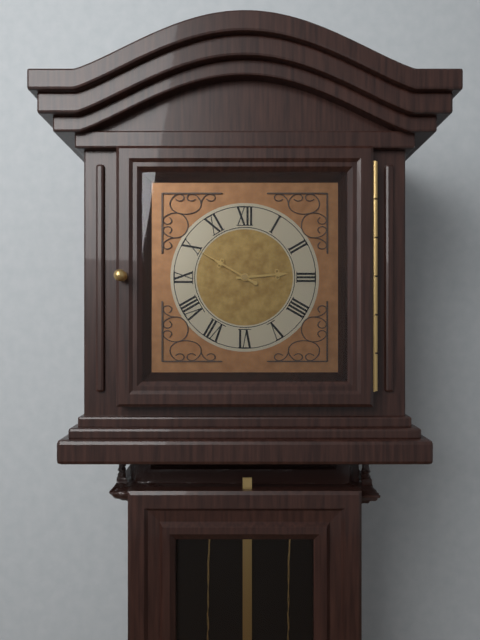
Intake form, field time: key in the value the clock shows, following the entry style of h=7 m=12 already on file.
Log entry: h=2 m=50
